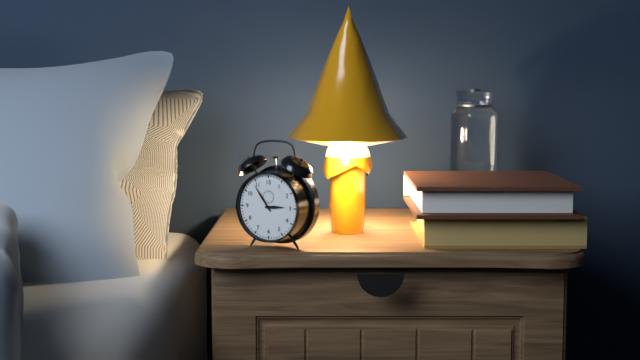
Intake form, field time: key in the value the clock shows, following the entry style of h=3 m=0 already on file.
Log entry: h=2 m=54
